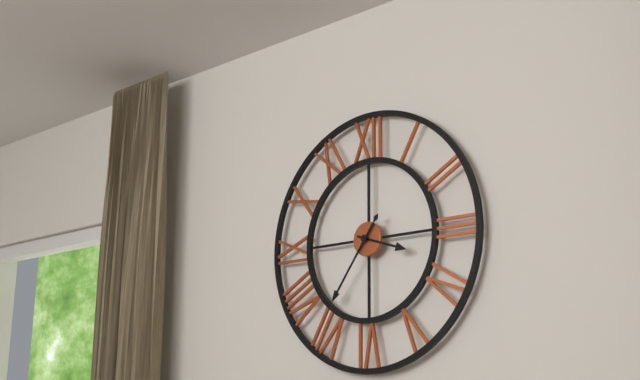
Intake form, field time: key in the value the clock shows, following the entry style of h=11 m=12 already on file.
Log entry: h=3 m=36
